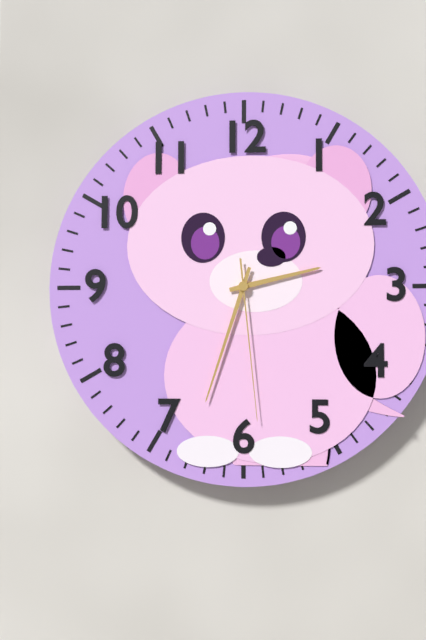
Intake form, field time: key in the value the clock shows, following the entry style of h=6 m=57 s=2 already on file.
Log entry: h=2 m=33 s=29
